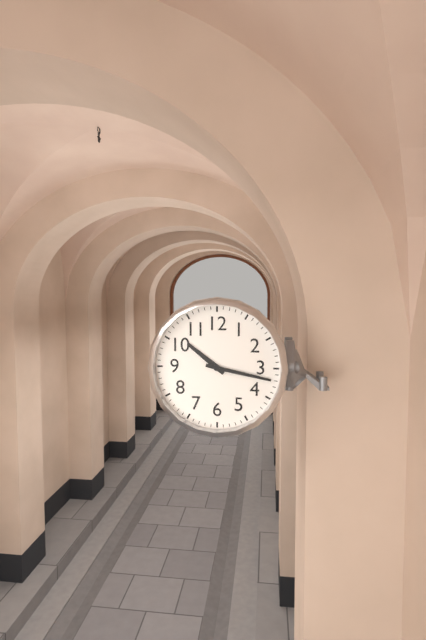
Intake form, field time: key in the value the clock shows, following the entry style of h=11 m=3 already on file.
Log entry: h=10 m=17
